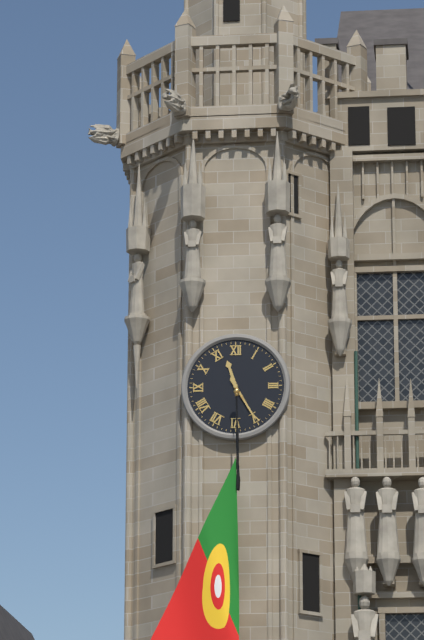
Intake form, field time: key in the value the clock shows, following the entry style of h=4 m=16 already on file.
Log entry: h=11 m=25
